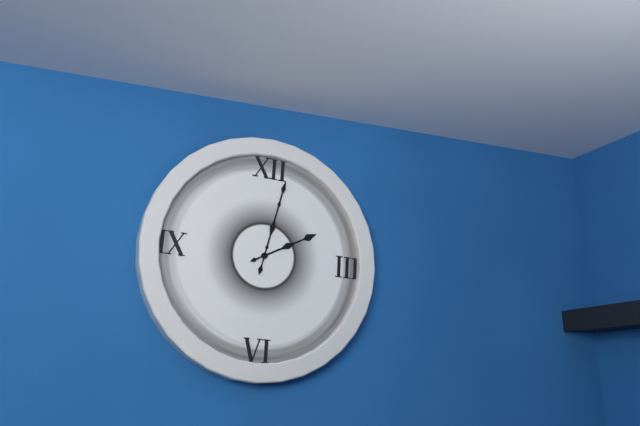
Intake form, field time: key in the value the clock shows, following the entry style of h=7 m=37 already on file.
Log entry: h=2 m=2
